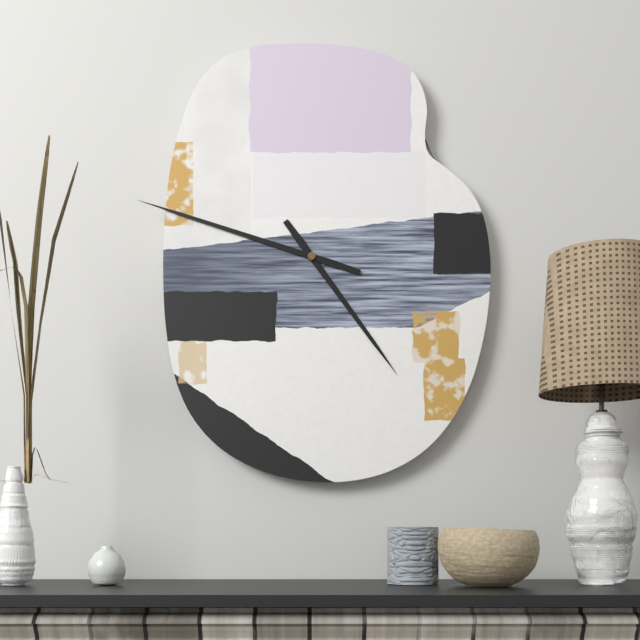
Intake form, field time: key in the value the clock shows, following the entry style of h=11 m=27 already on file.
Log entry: h=4 m=48
